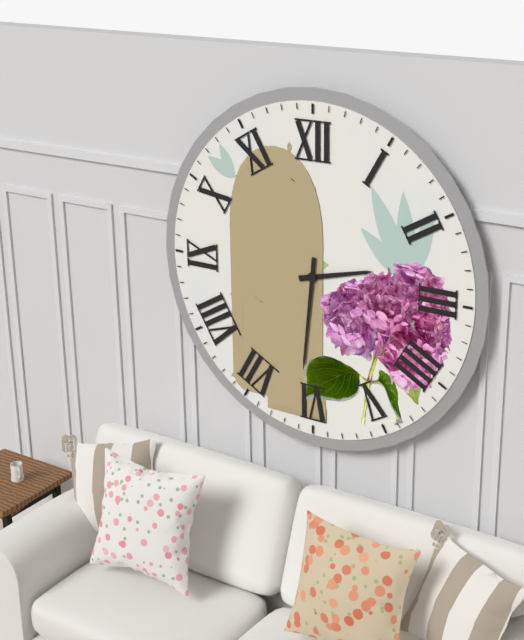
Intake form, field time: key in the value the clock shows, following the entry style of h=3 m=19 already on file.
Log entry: h=2 m=31
